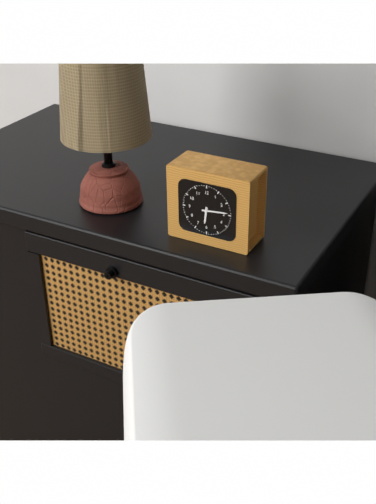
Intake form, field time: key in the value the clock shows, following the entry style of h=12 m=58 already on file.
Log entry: h=6 m=14
